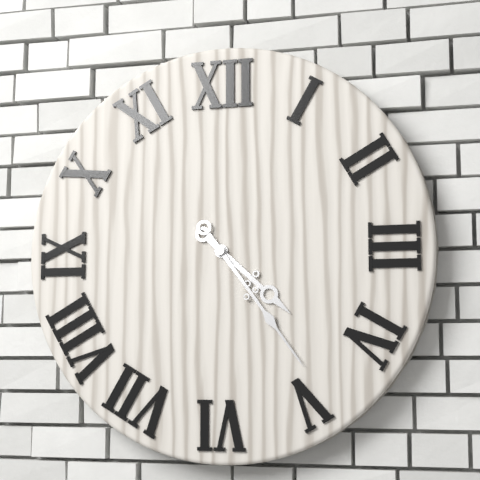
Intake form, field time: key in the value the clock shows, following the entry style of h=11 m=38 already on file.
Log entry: h=4 m=24
